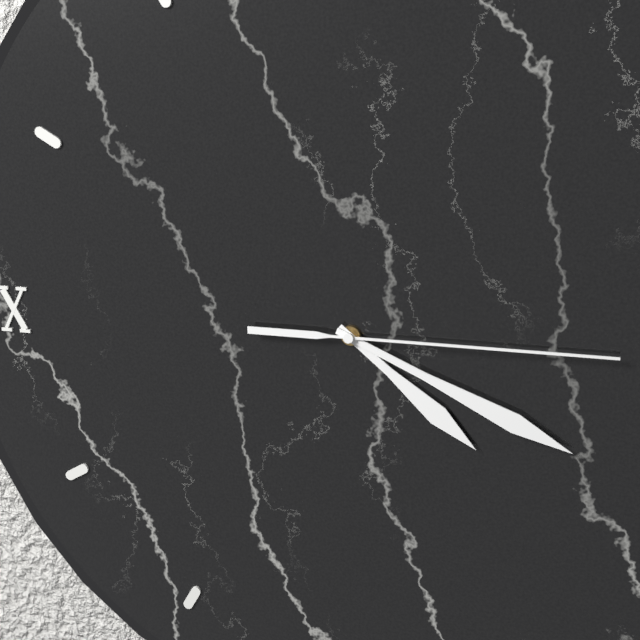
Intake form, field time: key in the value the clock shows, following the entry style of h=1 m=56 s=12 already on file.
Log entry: h=4 m=19 s=15
